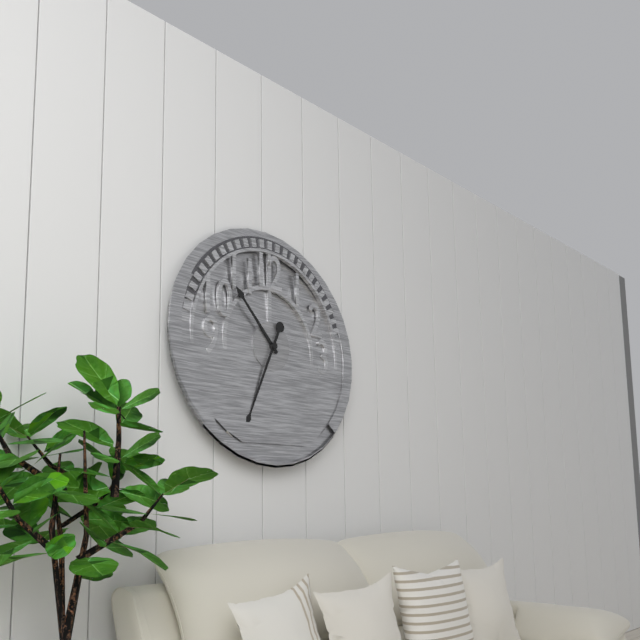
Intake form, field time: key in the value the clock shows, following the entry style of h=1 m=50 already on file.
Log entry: h=10 m=34
